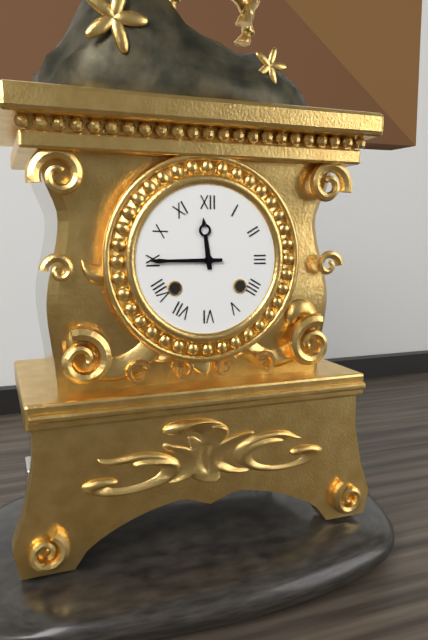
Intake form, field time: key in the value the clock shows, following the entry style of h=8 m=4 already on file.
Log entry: h=11 m=45
